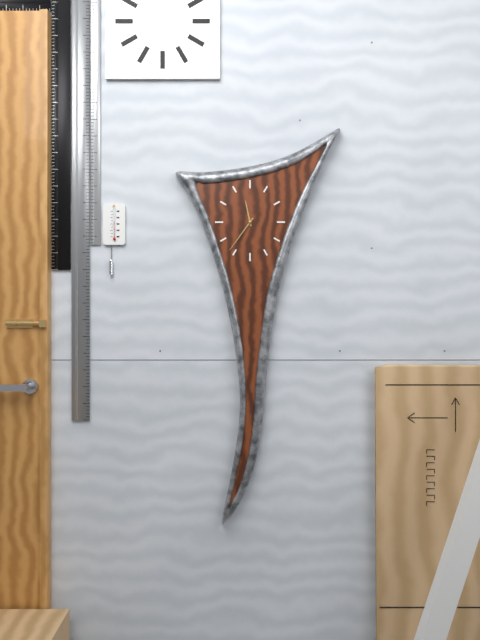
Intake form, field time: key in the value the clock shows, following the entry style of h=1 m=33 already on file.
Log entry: h=11 m=36
